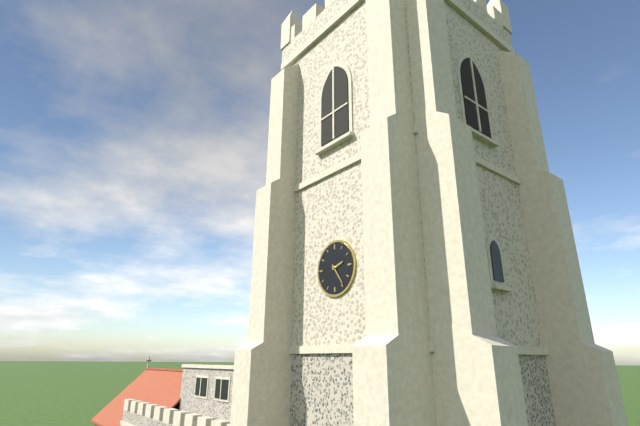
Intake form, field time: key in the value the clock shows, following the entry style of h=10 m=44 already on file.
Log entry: h=2 m=24
